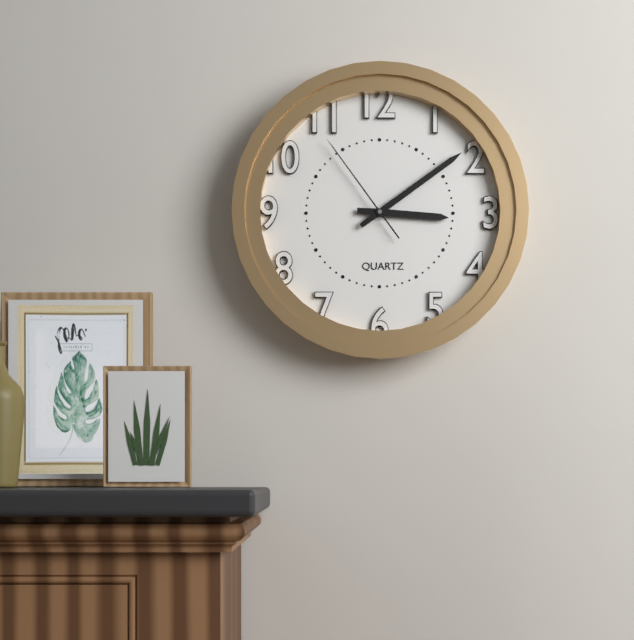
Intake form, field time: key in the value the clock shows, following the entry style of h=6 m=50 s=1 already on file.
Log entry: h=3 m=9 s=54
